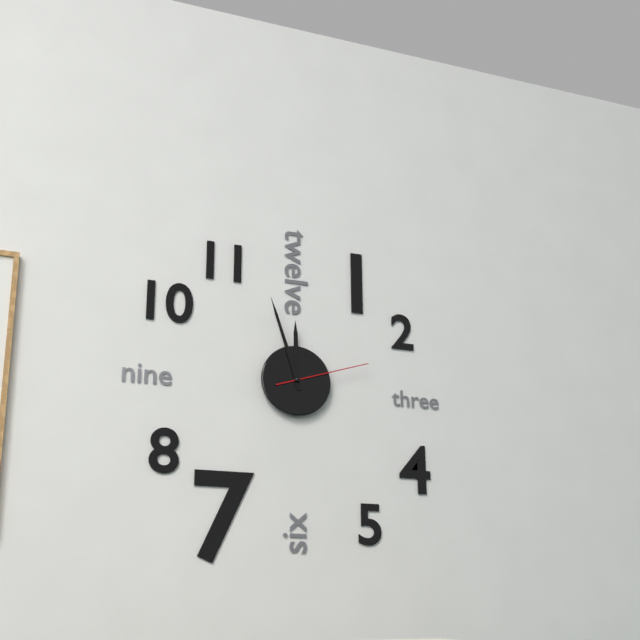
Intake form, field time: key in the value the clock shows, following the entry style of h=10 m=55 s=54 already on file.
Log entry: h=11 m=57 s=12
